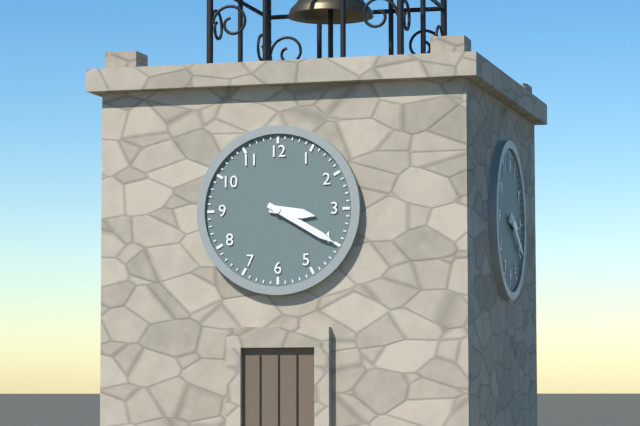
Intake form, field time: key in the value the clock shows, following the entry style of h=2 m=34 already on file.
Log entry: h=3 m=20
